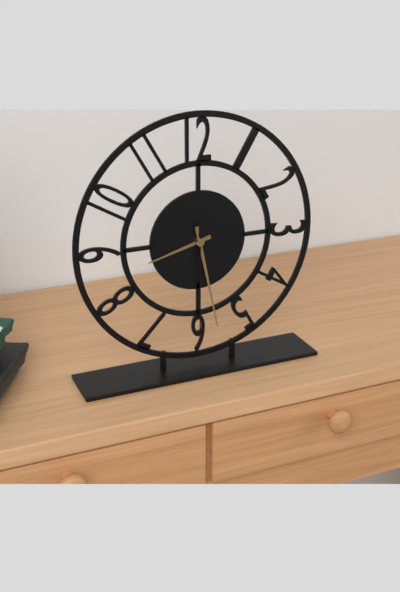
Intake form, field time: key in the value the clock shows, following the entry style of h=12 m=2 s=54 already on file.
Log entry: h=8 m=28 s=30
